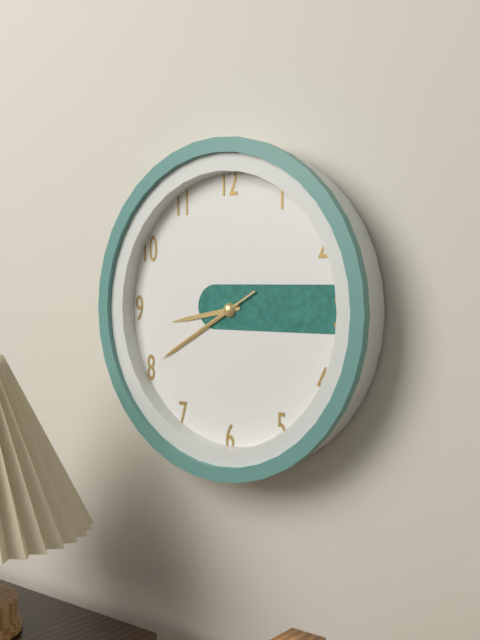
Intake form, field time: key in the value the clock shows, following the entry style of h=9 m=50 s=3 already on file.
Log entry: h=8 m=40 s=40
